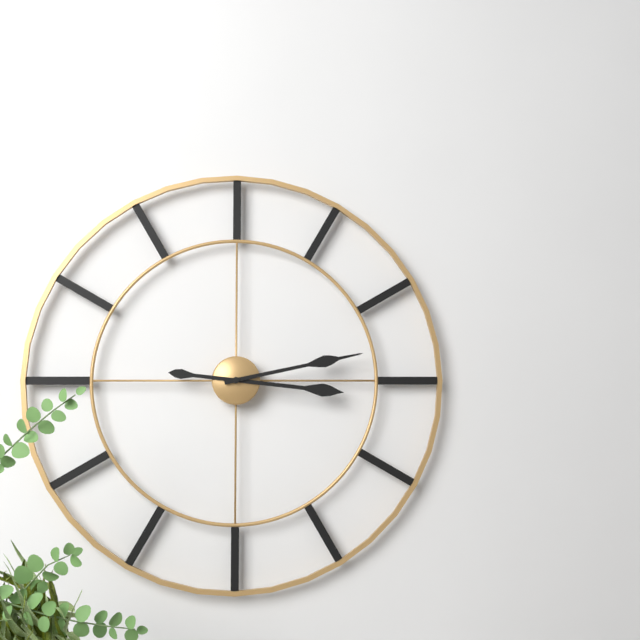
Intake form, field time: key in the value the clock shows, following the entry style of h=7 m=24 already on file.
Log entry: h=3 m=13
